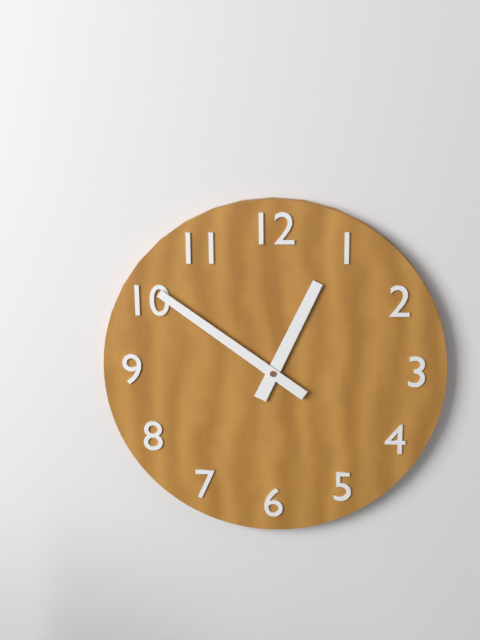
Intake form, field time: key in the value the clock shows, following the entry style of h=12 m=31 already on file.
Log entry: h=12 m=51
